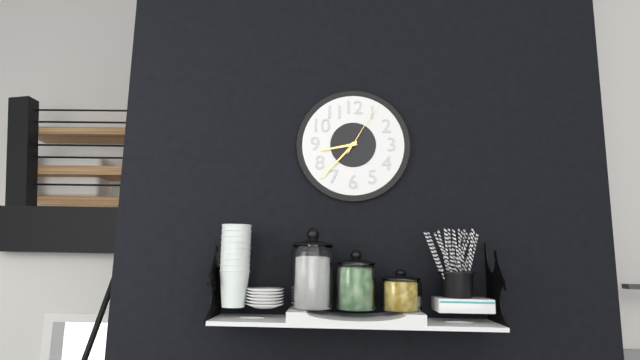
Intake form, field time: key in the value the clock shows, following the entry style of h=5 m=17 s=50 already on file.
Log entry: h=8 m=37 s=5
